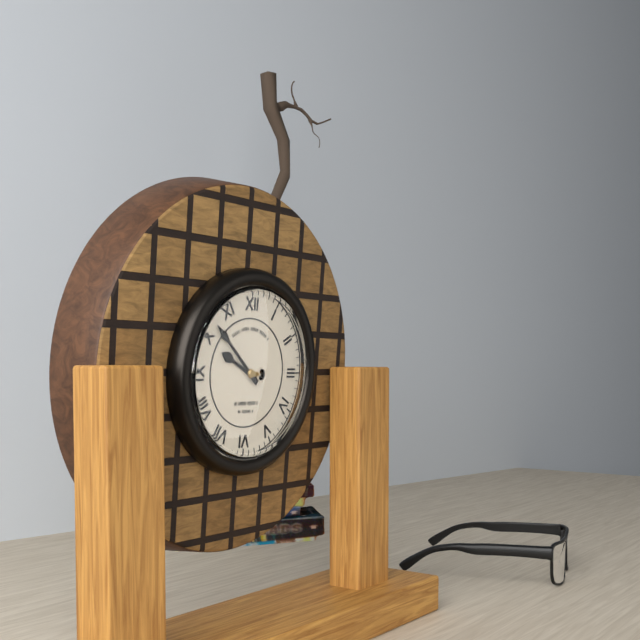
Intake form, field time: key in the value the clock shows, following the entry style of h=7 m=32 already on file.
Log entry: h=9 m=52
